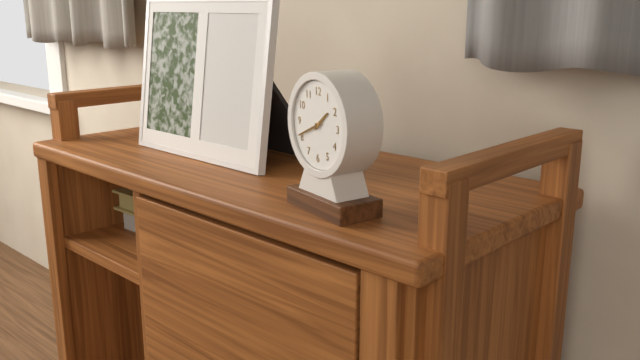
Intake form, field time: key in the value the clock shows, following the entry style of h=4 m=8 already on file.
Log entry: h=1 m=41
